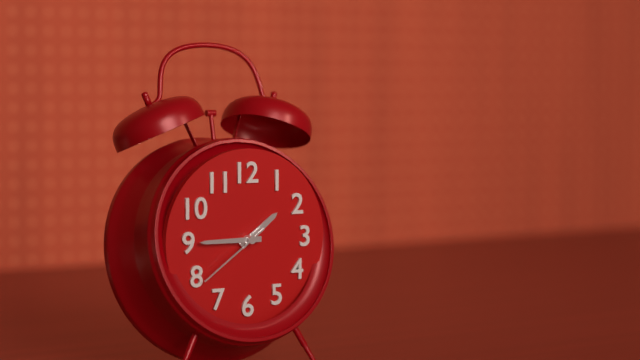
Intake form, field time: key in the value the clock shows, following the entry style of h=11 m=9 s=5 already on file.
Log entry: h=1 m=45 s=39
